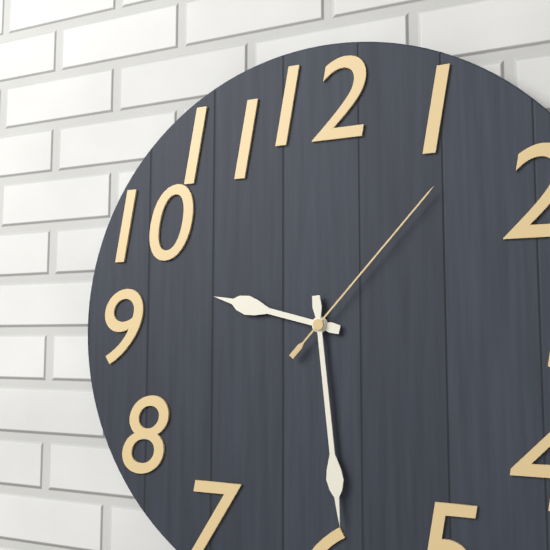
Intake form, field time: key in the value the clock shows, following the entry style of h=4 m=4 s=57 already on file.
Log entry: h=9 m=29 s=7
